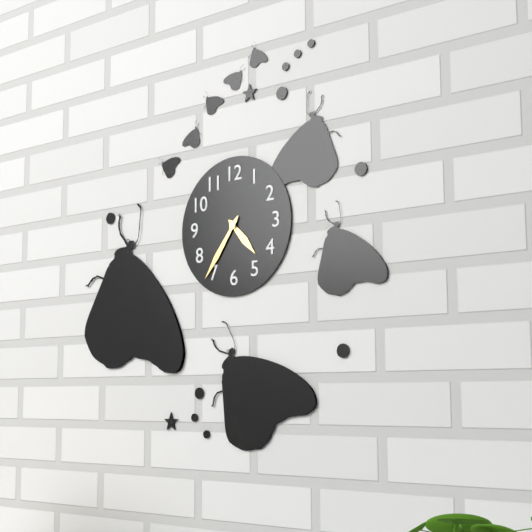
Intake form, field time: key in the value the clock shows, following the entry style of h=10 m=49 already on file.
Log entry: h=4 m=36
